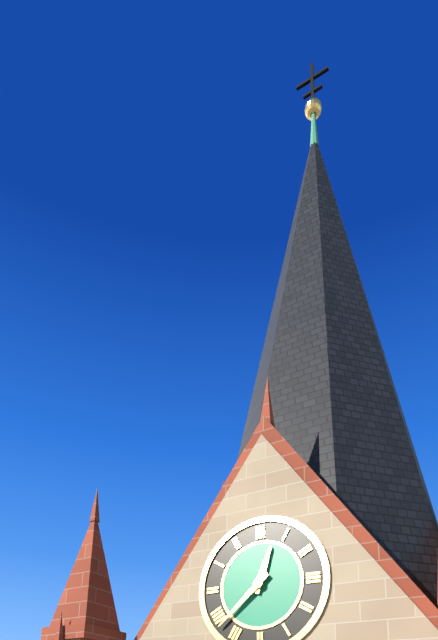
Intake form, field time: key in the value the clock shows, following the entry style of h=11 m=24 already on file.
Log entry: h=12 m=38
